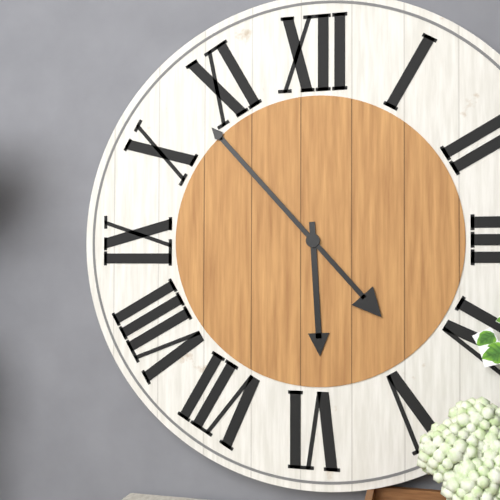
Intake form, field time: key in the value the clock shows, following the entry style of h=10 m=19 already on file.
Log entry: h=5 m=53
